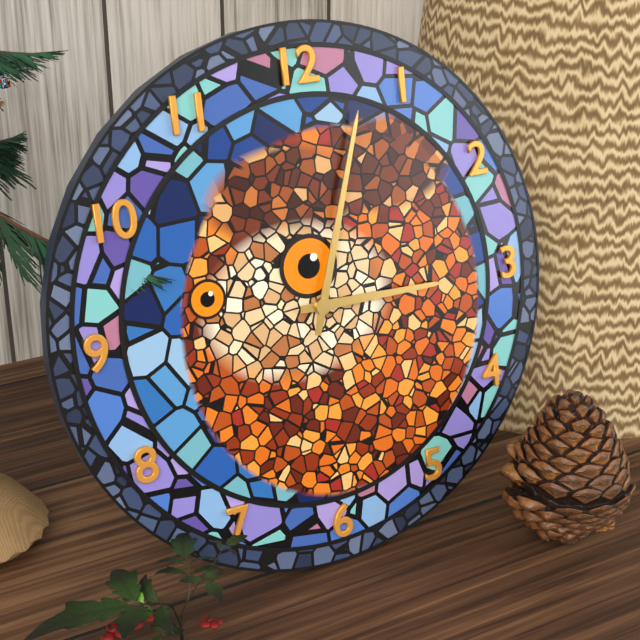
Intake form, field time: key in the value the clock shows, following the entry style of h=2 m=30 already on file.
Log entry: h=3 m=3
